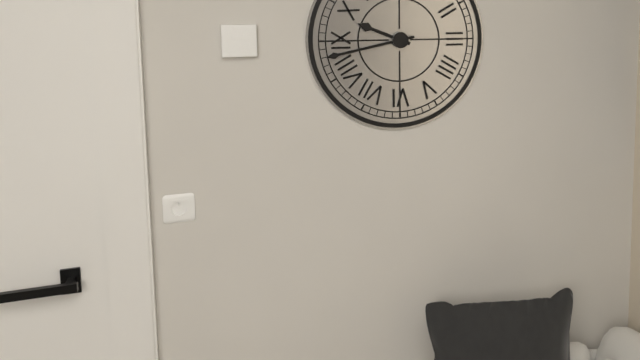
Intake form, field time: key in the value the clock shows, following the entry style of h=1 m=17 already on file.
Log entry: h=9 m=43
